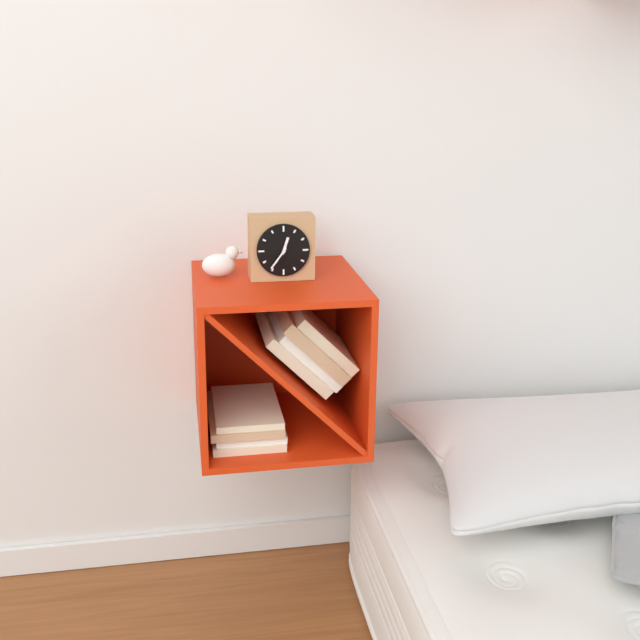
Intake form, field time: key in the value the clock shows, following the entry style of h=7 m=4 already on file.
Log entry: h=12 m=36
